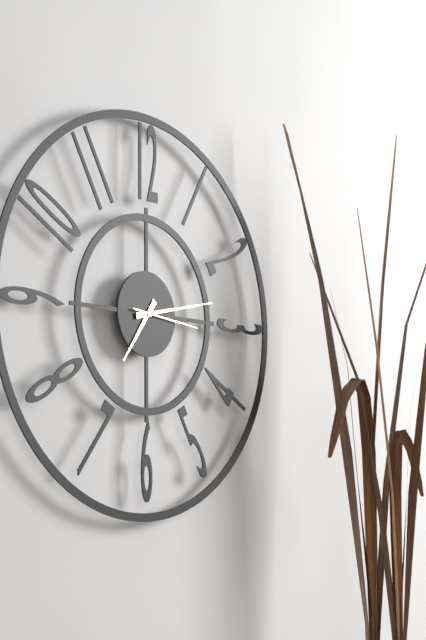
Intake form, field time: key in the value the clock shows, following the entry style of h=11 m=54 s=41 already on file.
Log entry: h=7 m=13 s=16
